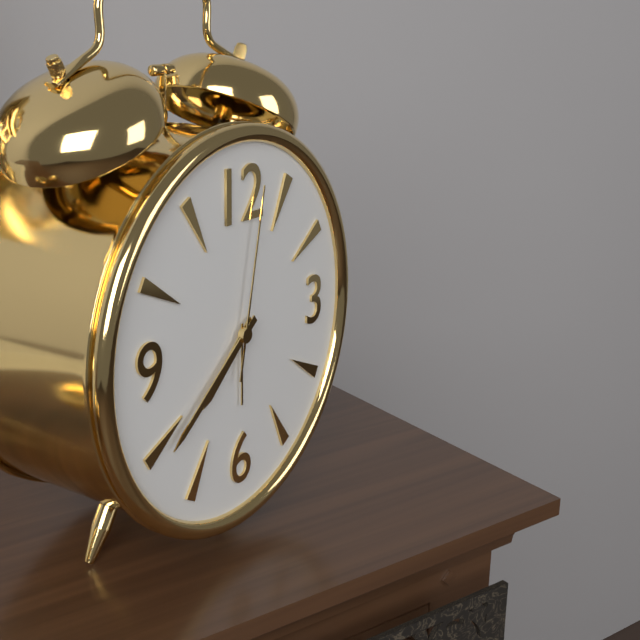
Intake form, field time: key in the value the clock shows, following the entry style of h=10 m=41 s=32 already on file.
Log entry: h=7 m=39 s=2
